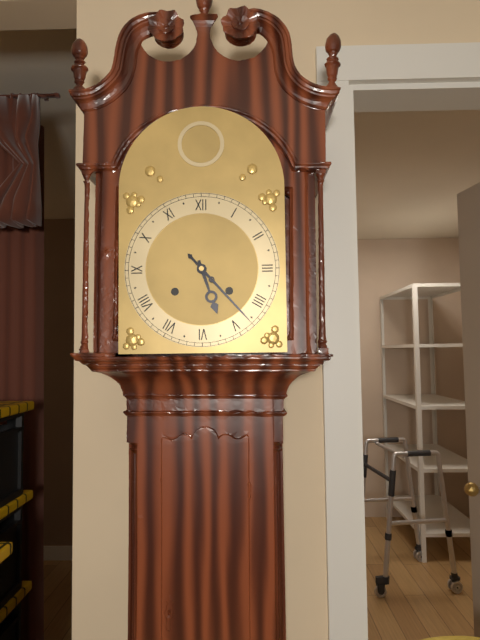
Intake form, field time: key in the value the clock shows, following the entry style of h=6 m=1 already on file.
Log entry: h=5 m=23
